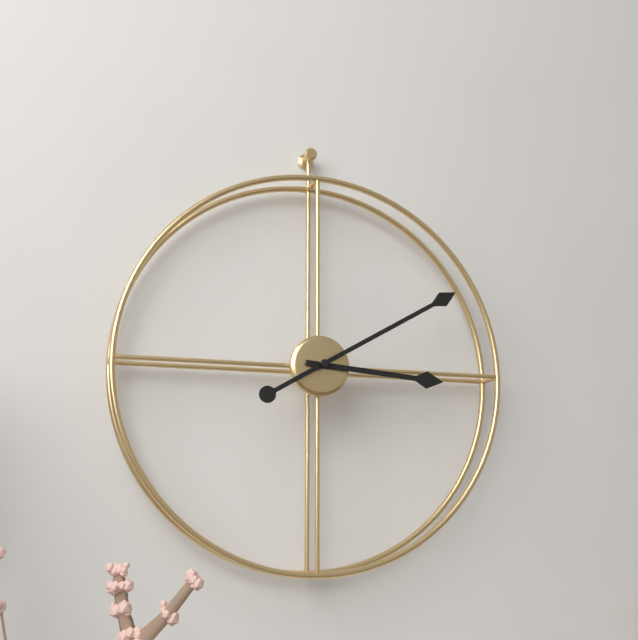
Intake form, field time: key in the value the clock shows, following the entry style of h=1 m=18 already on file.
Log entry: h=3 m=10
